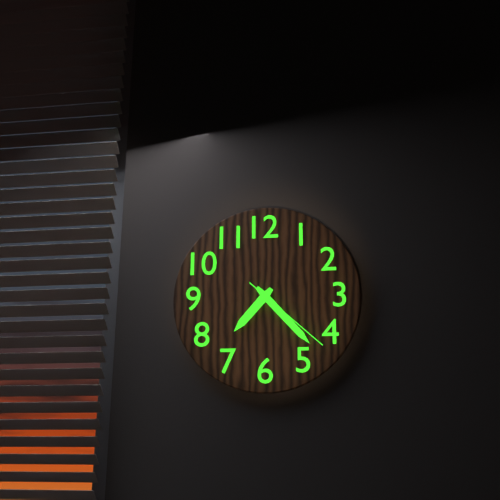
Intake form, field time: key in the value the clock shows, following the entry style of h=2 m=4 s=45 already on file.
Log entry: h=7 m=23 s=22
